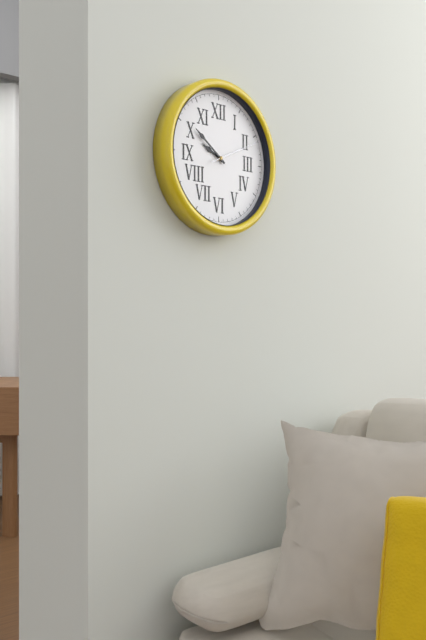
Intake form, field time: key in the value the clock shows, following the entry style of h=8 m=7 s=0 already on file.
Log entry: h=9 m=51 s=11
